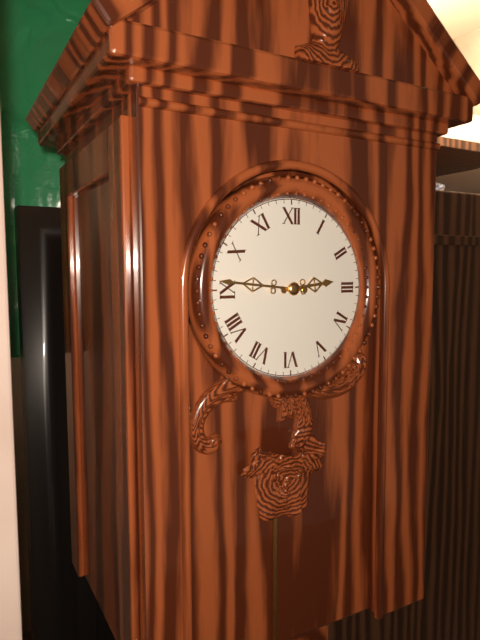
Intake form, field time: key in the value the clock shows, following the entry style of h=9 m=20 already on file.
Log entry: h=2 m=46
